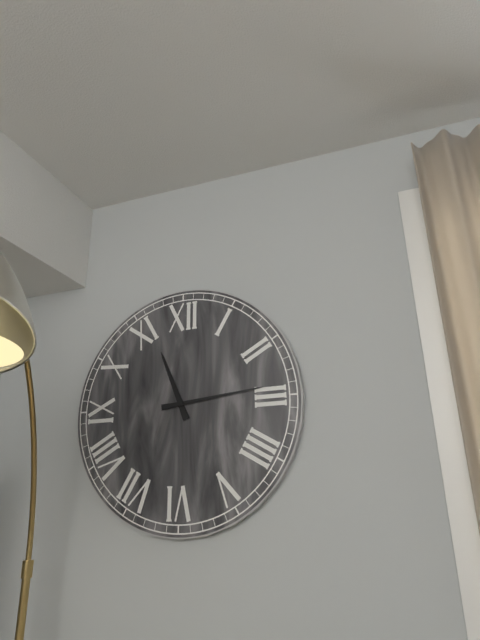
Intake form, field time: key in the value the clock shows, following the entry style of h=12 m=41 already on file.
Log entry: h=11 m=14
